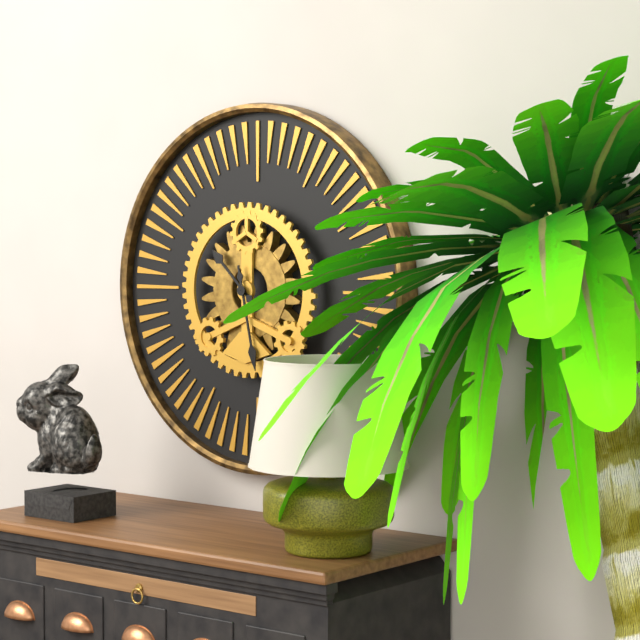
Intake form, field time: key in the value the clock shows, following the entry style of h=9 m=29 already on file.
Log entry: h=10 m=28
